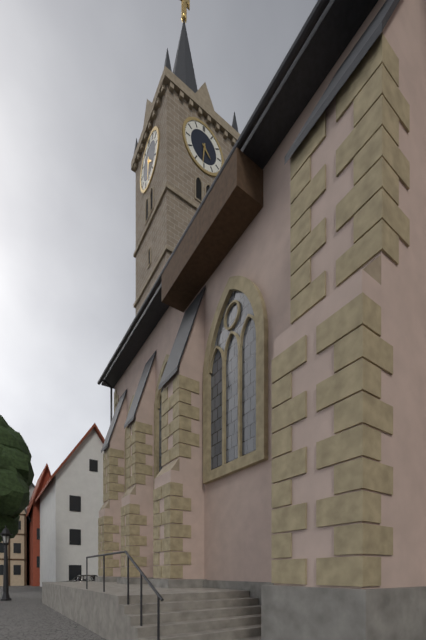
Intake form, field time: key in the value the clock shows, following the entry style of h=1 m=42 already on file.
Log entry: h=4 m=31
